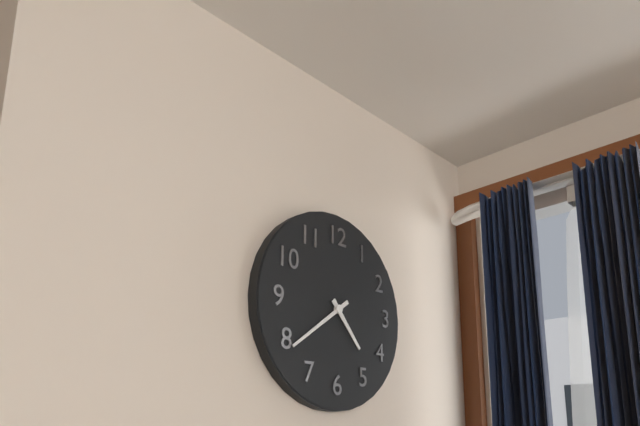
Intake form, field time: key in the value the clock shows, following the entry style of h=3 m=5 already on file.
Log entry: h=4 m=39
